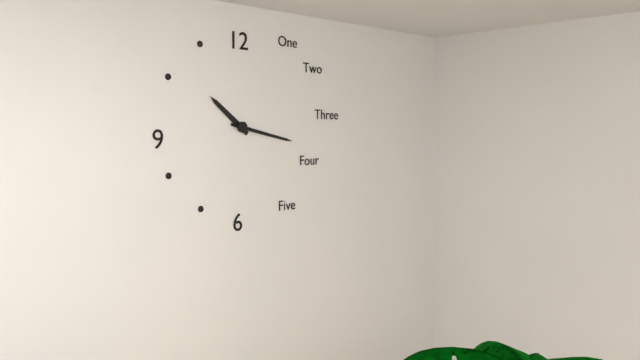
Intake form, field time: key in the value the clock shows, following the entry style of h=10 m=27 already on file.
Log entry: h=10 m=17
